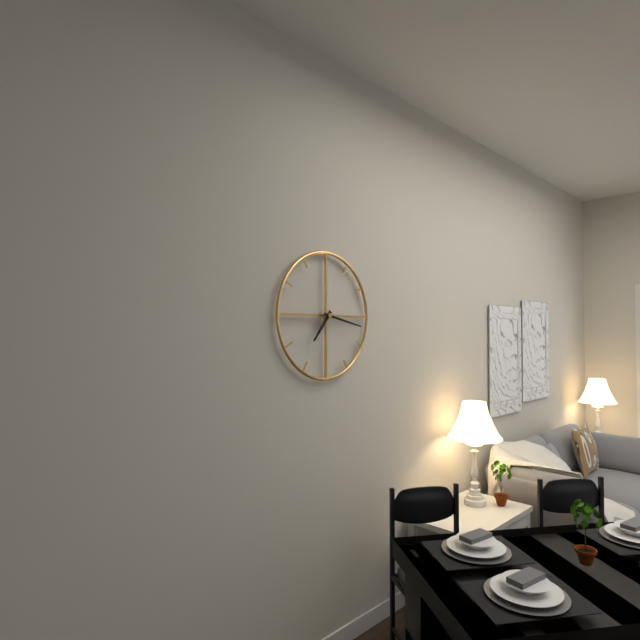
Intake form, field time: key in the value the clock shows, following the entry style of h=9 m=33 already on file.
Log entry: h=7 m=17
